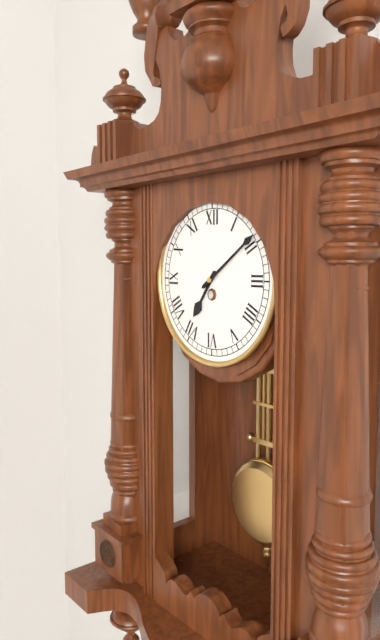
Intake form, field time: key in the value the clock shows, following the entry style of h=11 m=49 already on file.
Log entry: h=7 m=9
